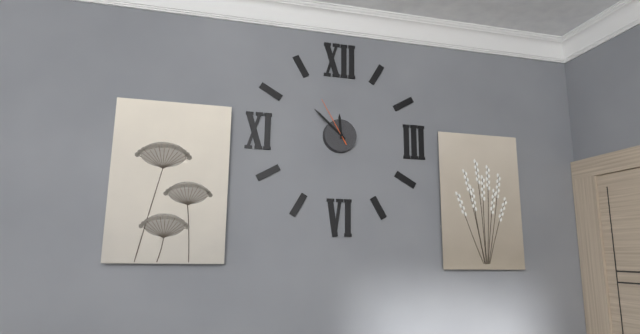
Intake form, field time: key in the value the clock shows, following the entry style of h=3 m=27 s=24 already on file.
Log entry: h=11 m=52 s=55
